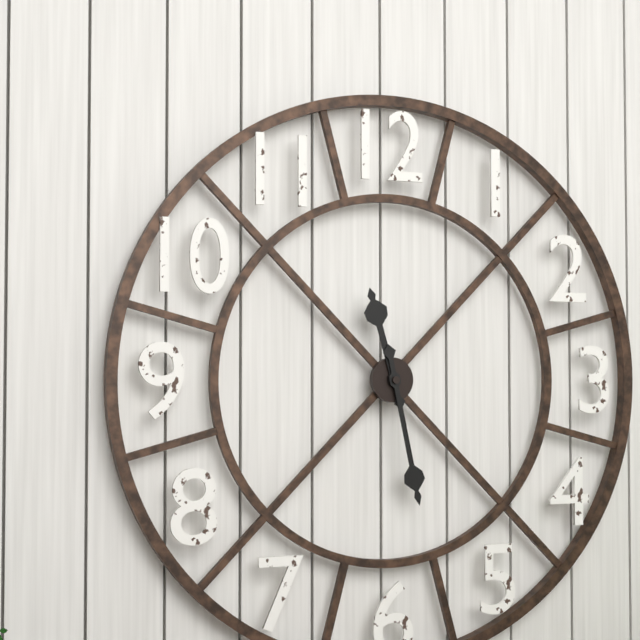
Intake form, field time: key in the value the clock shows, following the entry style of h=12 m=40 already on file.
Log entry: h=11 m=28
